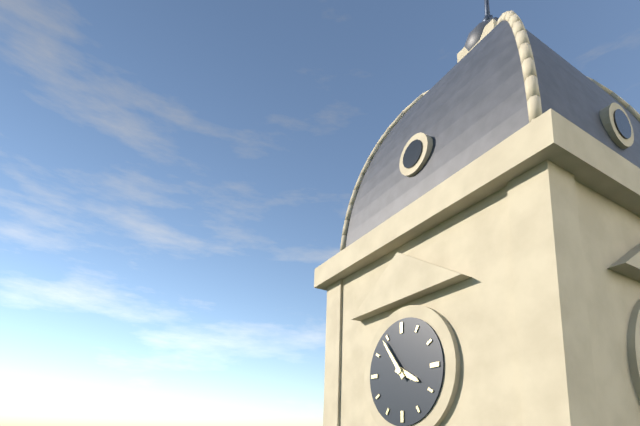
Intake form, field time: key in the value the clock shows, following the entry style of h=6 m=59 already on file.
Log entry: h=3 m=54
